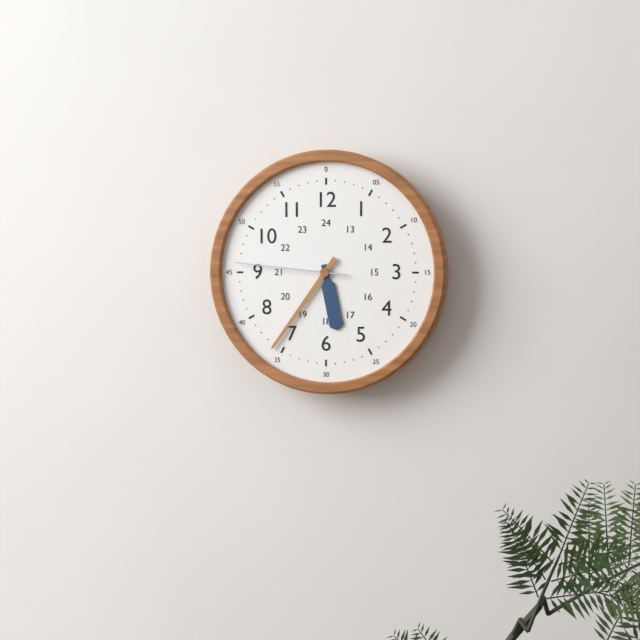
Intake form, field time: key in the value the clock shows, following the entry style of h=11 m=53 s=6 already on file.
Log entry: h=5 m=36 s=46
